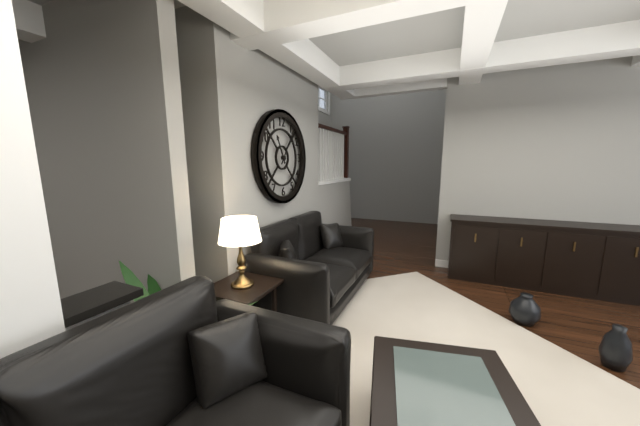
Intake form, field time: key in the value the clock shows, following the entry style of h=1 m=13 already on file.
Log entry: h=11 m=6
